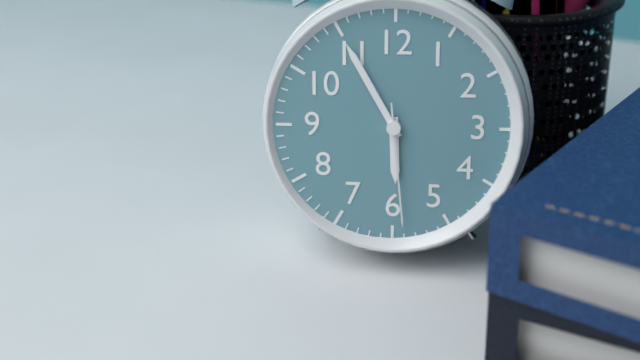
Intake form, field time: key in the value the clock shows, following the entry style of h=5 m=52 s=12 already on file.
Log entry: h=5 m=55 s=29
